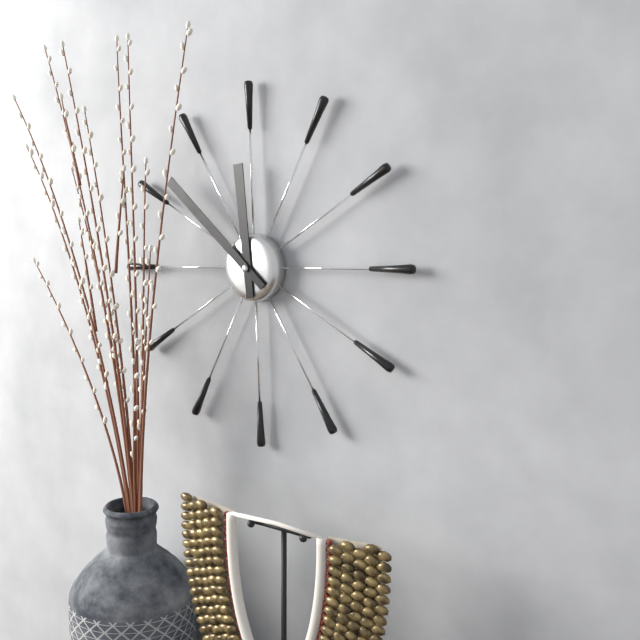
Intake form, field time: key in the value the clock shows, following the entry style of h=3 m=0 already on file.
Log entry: h=11 m=52
